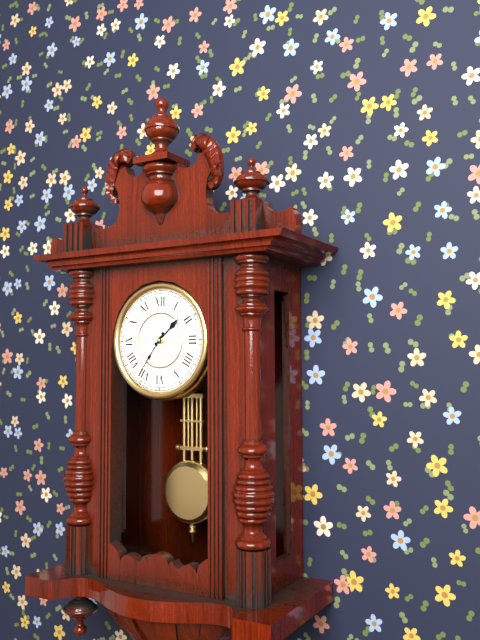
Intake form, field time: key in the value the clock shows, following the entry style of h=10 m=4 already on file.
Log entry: h=1 m=36
